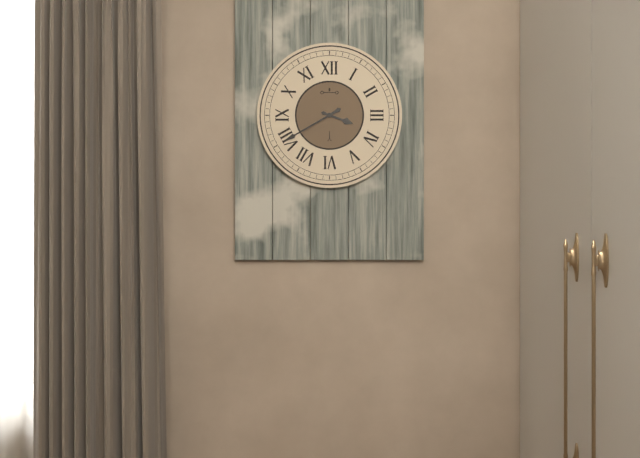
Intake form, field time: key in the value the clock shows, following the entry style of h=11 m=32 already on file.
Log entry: h=3 m=40
